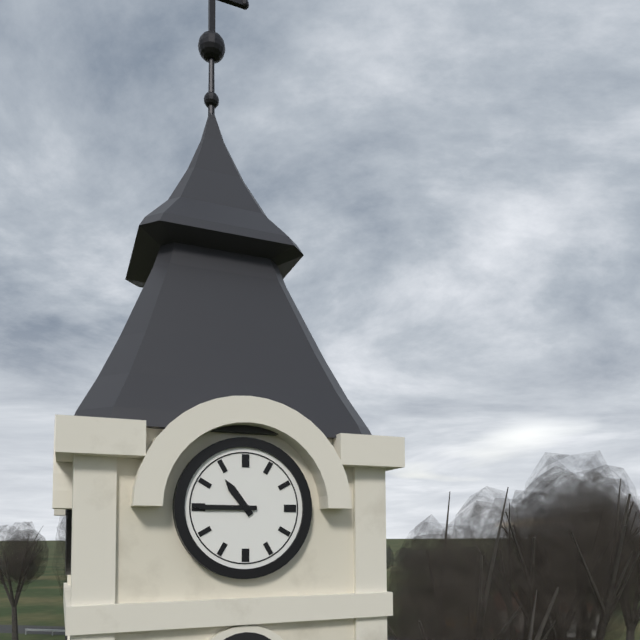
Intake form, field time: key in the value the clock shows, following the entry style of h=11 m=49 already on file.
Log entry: h=10 m=45
